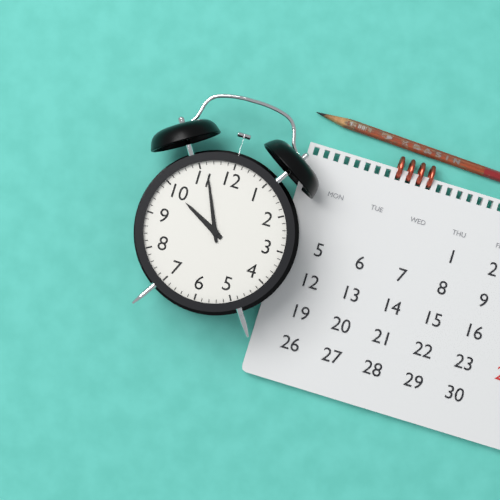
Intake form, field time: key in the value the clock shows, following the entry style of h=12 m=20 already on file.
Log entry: h=9 m=56
